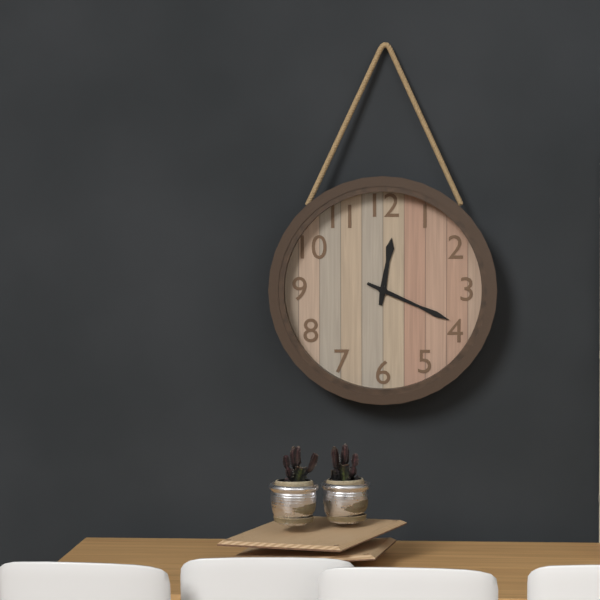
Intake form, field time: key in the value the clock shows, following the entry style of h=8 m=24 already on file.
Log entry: h=12 m=19
